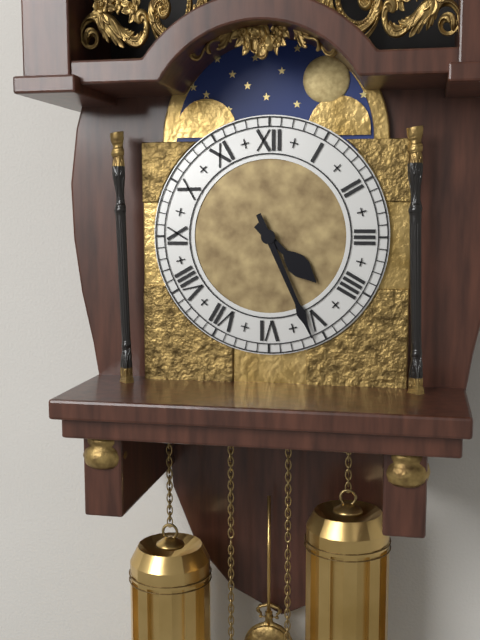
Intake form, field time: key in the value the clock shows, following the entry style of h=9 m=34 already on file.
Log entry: h=4 m=26
